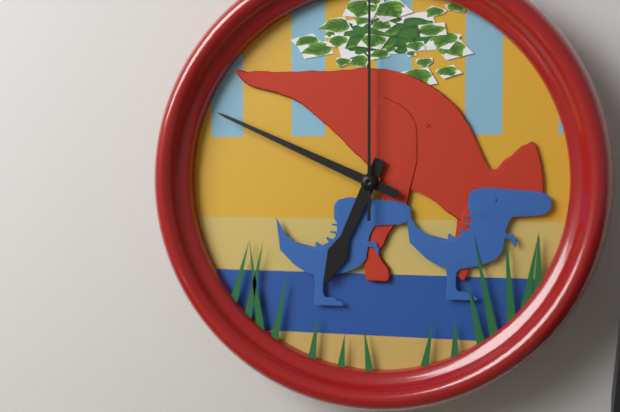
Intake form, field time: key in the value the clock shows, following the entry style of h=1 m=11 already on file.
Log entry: h=6 m=49
